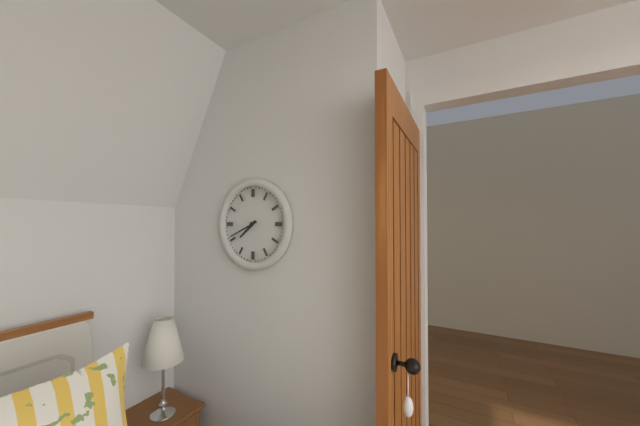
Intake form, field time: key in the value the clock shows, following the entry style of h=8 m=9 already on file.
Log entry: h=7 m=41
